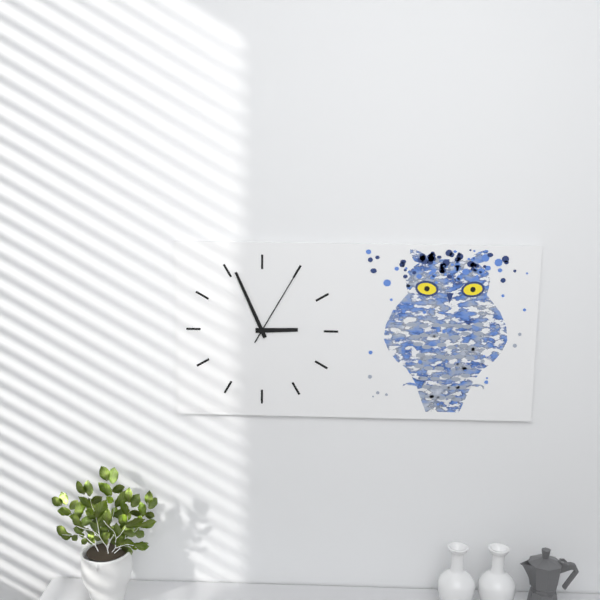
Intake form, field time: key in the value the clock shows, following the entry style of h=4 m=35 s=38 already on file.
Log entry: h=2 m=56 s=5
